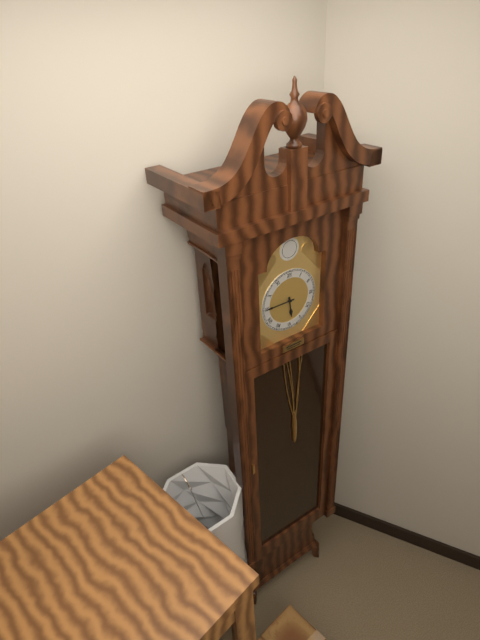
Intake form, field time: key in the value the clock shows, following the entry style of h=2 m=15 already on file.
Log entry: h=5 m=45
